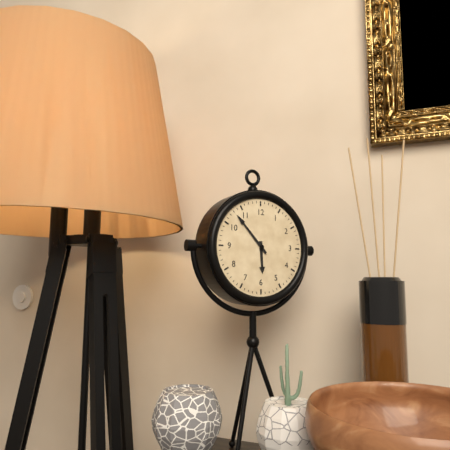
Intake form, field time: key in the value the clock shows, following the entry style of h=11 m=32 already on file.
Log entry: h=5 m=53
